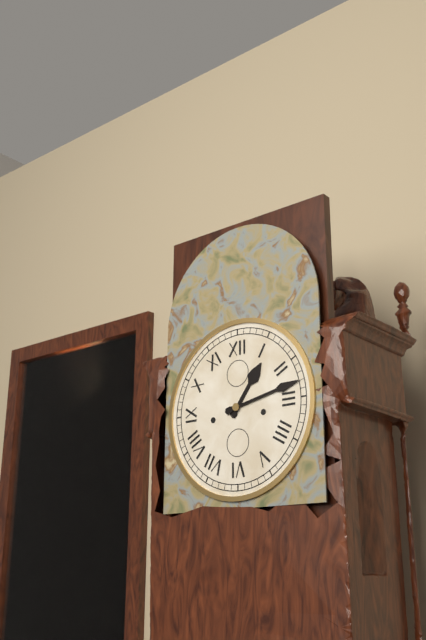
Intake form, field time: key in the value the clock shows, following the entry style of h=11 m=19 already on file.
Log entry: h=1 m=13
